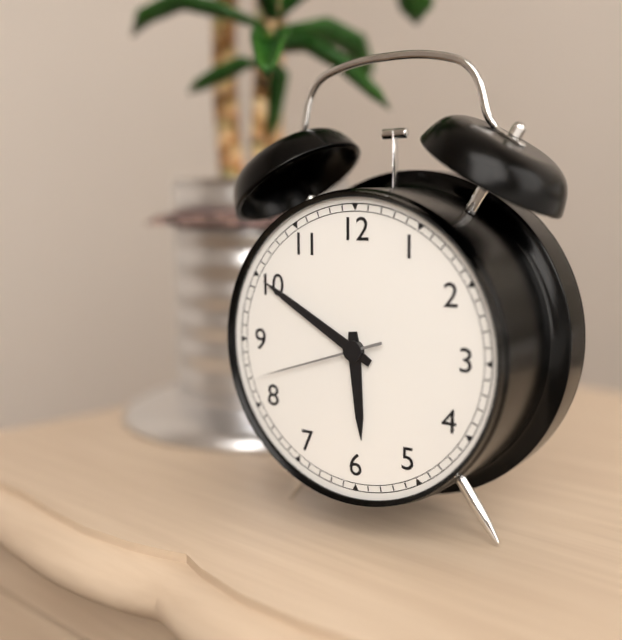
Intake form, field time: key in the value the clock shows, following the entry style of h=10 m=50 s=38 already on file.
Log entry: h=5 m=50 s=42
